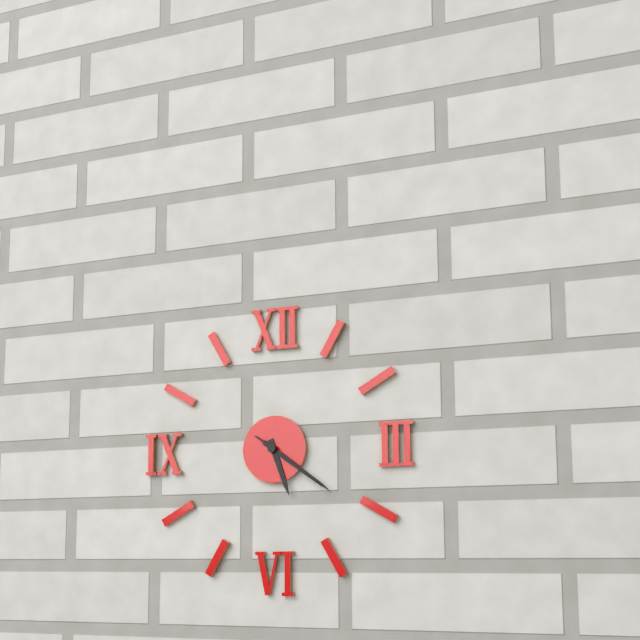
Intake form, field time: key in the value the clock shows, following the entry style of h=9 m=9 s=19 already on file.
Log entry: h=5 m=21 s=21
